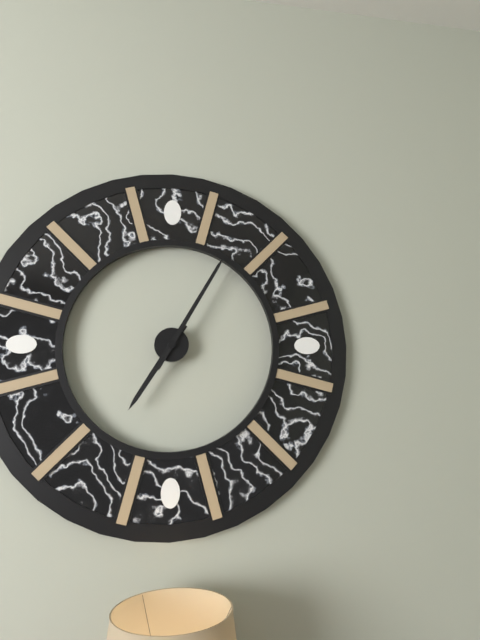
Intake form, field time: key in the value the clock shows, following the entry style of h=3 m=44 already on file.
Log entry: h=7 m=5
